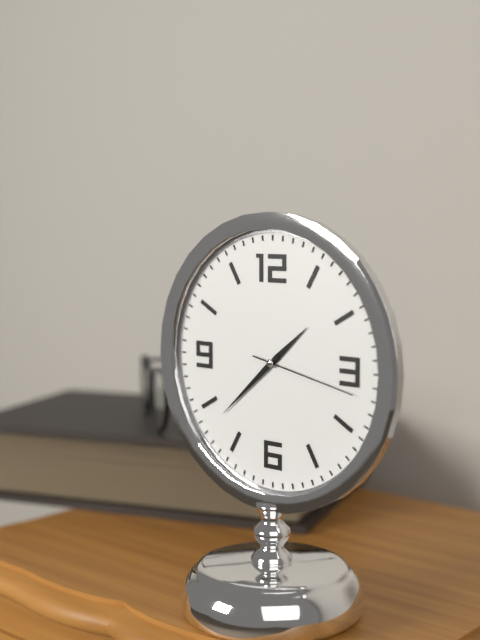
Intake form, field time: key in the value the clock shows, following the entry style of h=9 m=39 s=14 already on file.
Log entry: h=1 m=38 s=17
